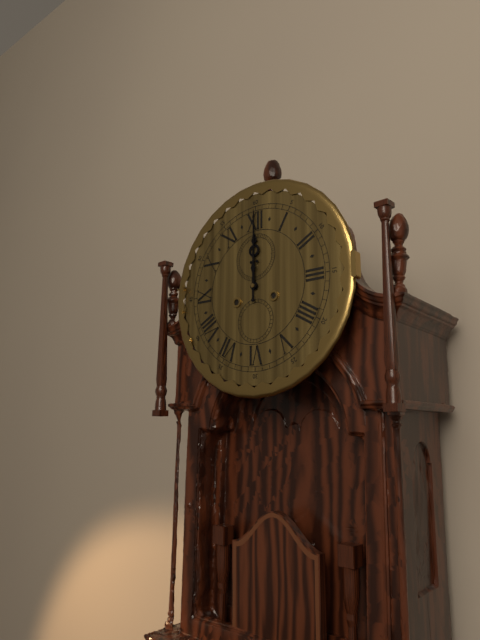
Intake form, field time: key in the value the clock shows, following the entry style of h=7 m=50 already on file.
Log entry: h=12 m=0
